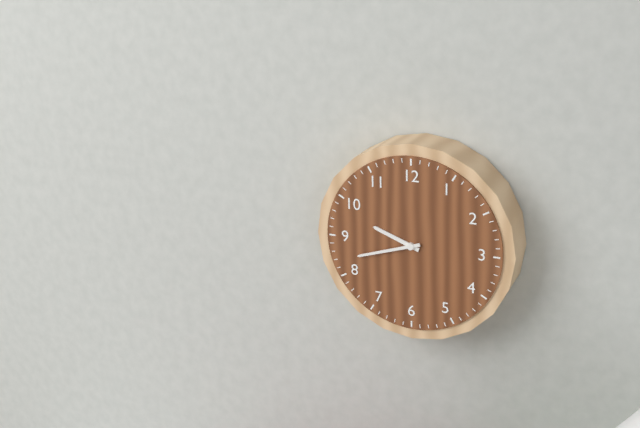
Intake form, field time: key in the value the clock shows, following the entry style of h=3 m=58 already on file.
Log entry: h=9 m=42
